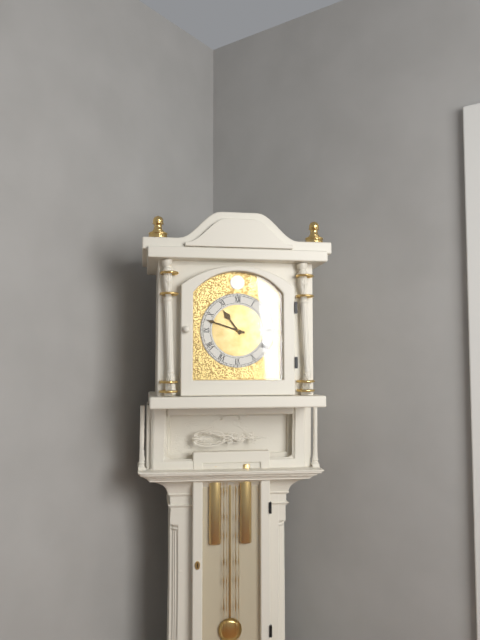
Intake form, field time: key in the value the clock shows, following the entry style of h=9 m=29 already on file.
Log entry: h=10 m=48
